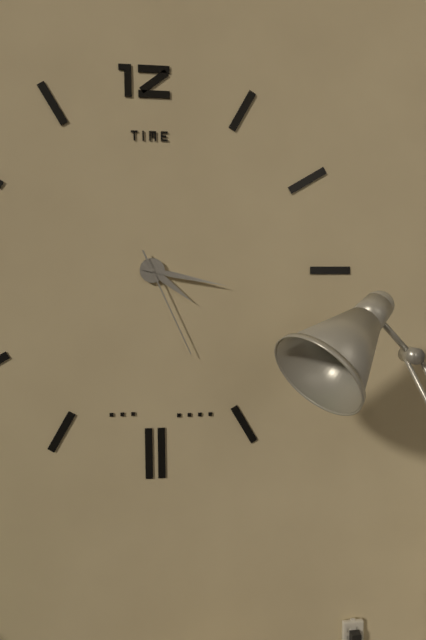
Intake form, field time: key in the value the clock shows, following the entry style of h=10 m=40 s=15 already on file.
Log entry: h=4 m=17 s=26
